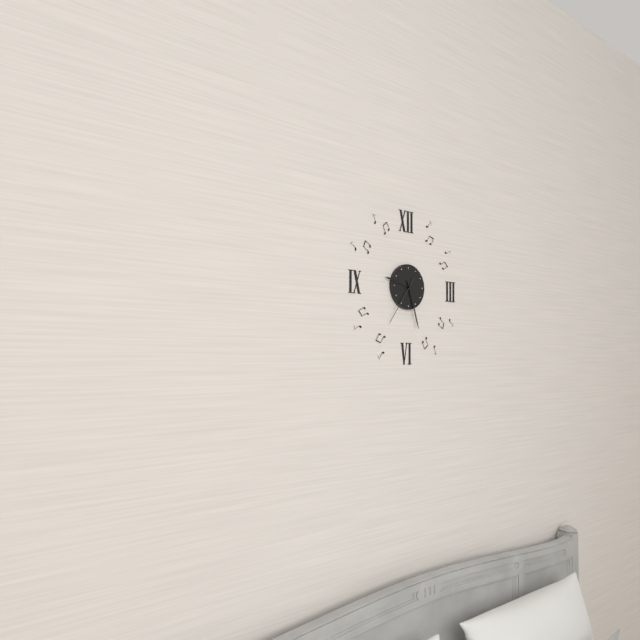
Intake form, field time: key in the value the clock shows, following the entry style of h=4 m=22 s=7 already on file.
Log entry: h=9 m=27 s=36
